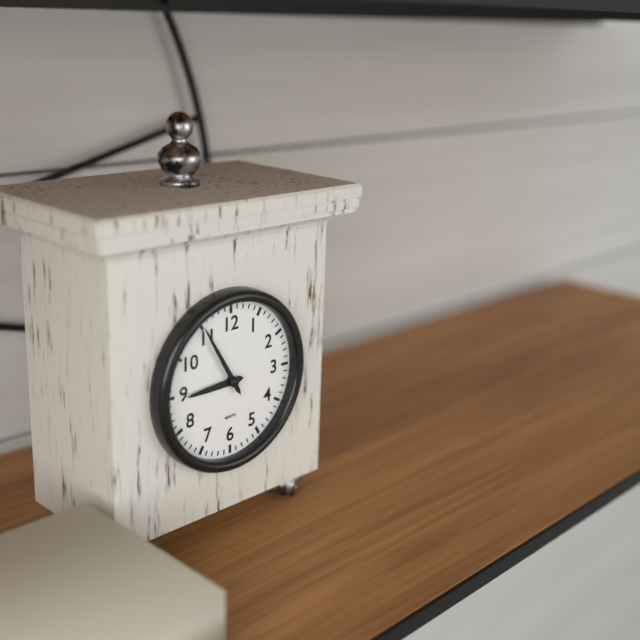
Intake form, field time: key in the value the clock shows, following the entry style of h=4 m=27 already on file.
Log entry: h=8 m=55
